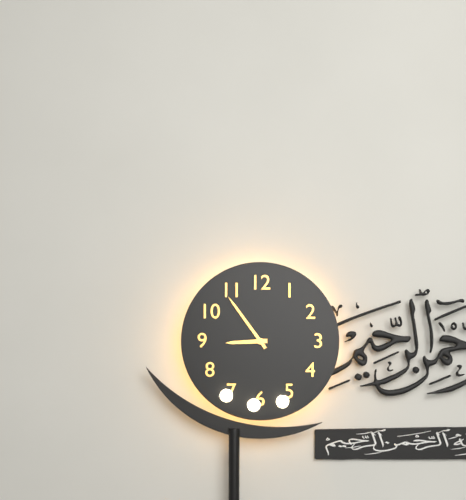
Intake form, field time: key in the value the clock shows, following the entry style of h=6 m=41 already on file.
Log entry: h=8 m=54
